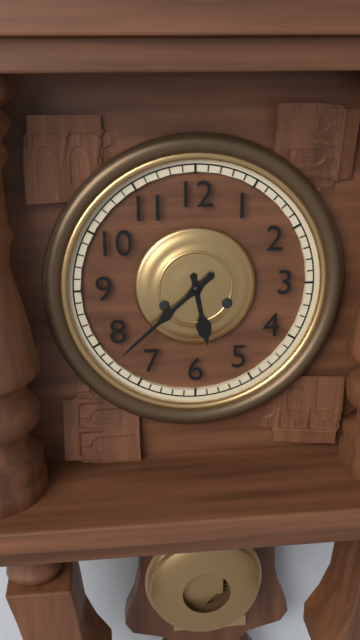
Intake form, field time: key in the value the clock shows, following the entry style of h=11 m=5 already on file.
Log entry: h=5 m=38
